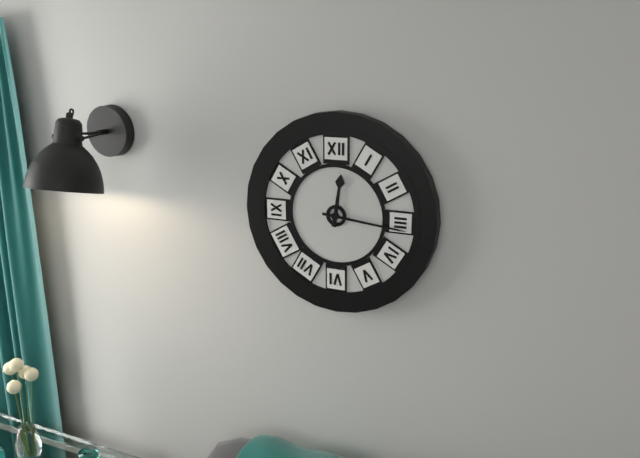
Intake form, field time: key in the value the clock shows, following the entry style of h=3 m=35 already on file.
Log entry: h=12 m=16
